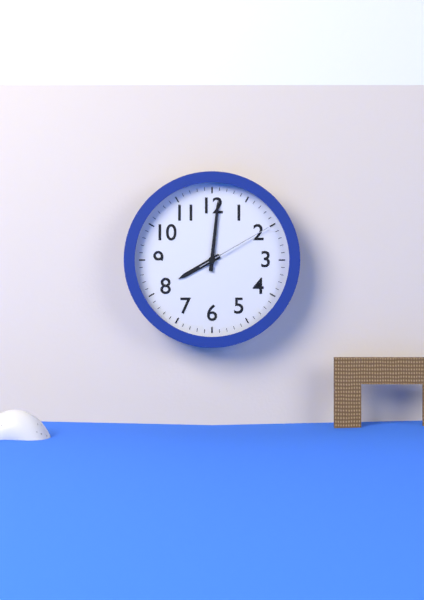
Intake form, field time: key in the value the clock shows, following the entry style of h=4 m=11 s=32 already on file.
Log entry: h=8 m=1 s=10
